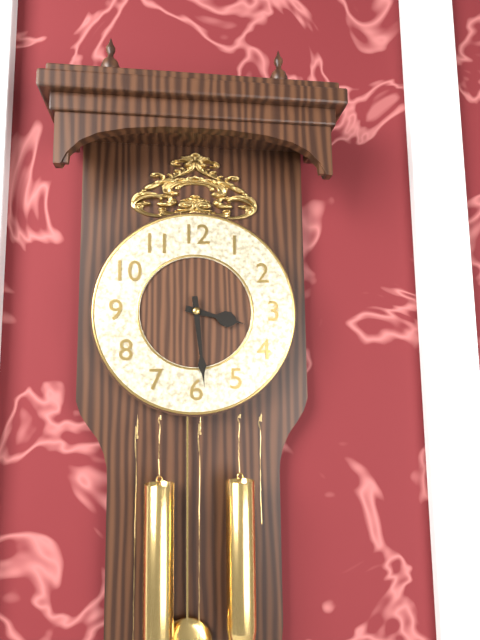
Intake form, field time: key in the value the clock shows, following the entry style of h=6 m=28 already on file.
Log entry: h=3 m=29
